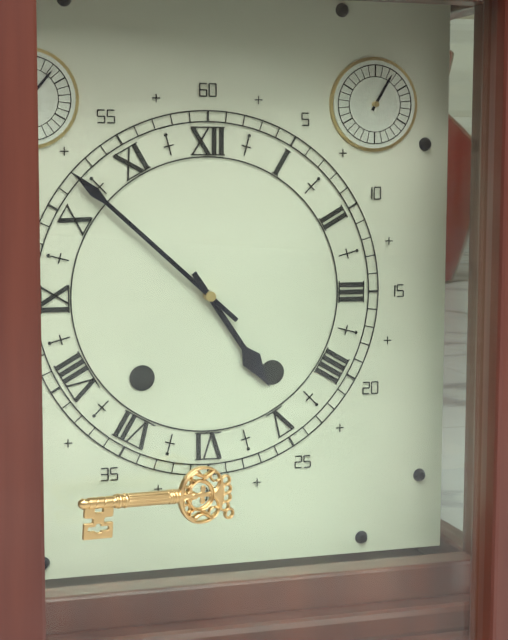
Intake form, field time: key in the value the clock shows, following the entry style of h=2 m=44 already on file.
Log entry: h=4 m=52
